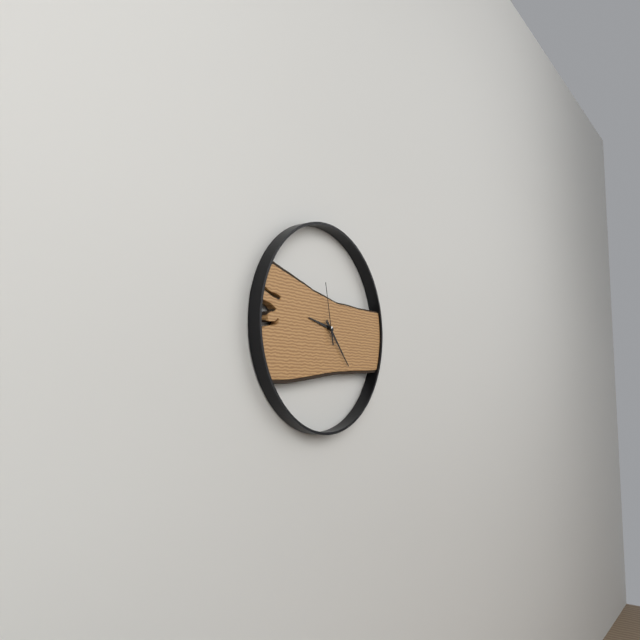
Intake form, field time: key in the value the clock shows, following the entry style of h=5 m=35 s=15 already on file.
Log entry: h=9 m=23 s=58
